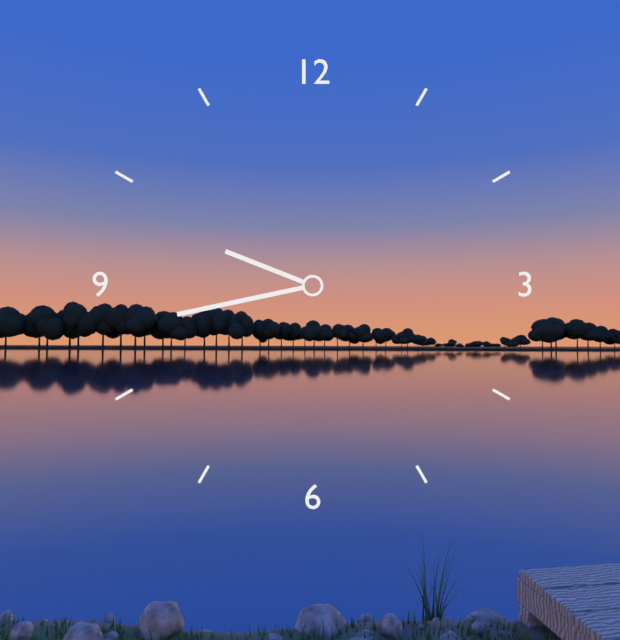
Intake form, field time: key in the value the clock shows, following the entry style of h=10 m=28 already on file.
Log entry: h=9 m=43
